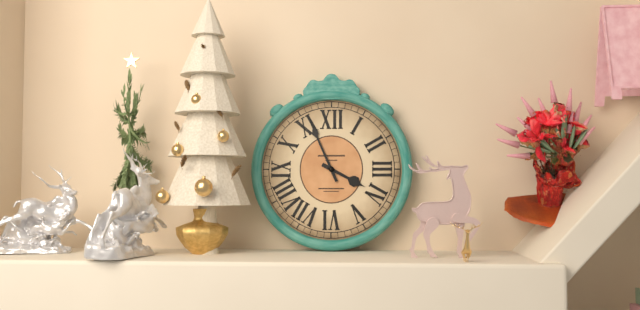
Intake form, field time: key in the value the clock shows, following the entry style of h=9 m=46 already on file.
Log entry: h=3 m=56
